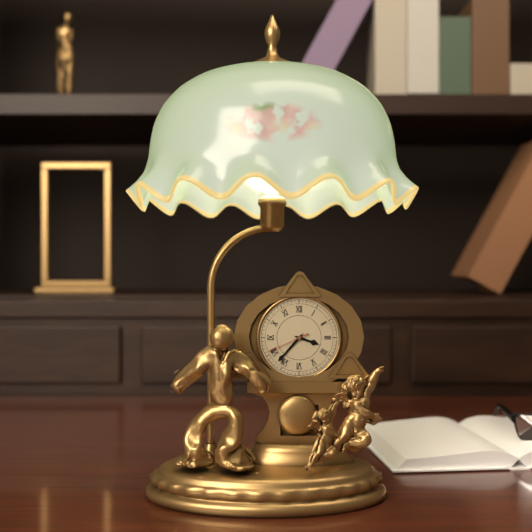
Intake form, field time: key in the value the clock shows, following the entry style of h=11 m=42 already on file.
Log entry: h=3 m=37
